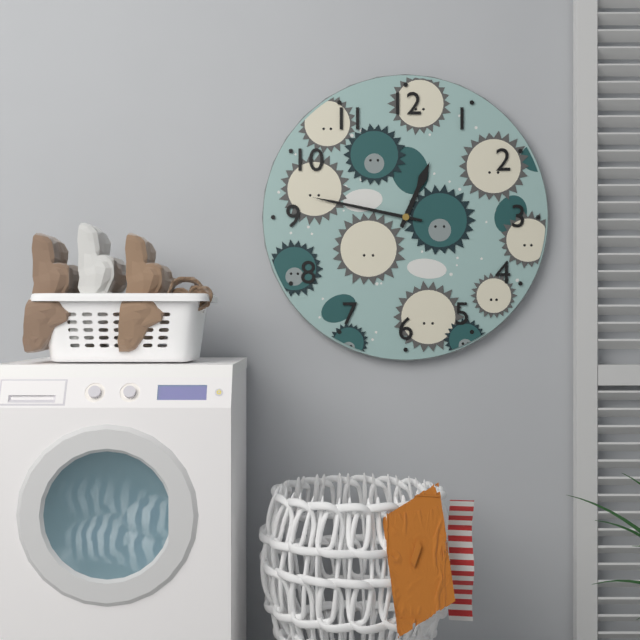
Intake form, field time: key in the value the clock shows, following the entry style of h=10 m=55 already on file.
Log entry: h=12 m=47
